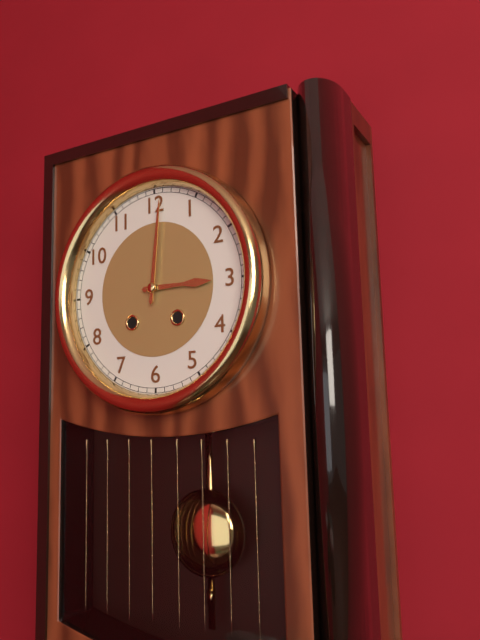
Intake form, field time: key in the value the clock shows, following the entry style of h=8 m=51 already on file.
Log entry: h=3 m=1
